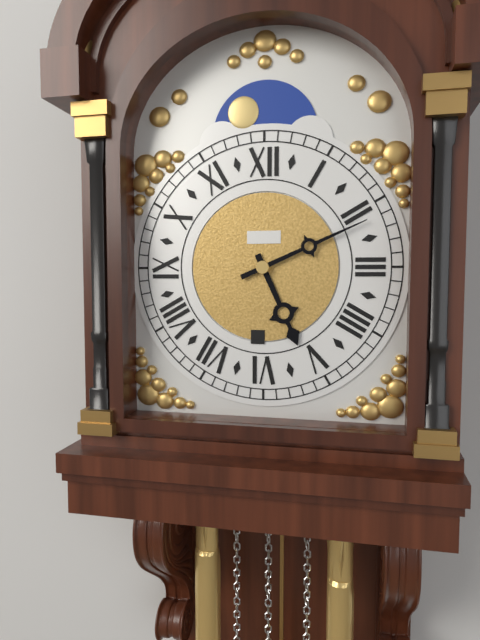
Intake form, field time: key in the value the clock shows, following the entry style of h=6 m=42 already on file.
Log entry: h=5 m=11
